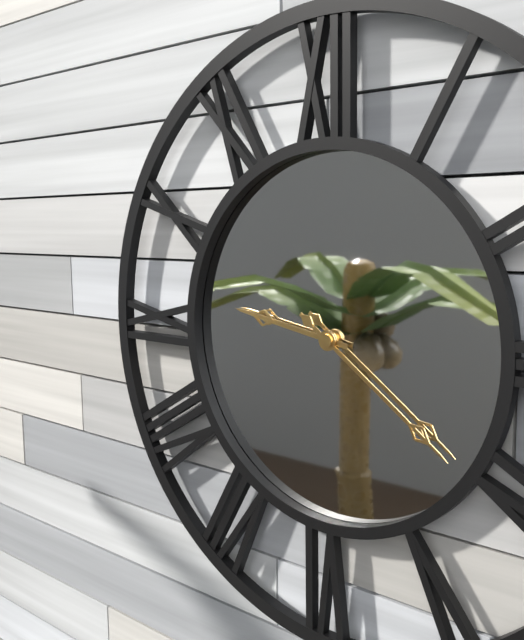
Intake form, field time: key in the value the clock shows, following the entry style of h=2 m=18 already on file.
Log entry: h=9 m=21
